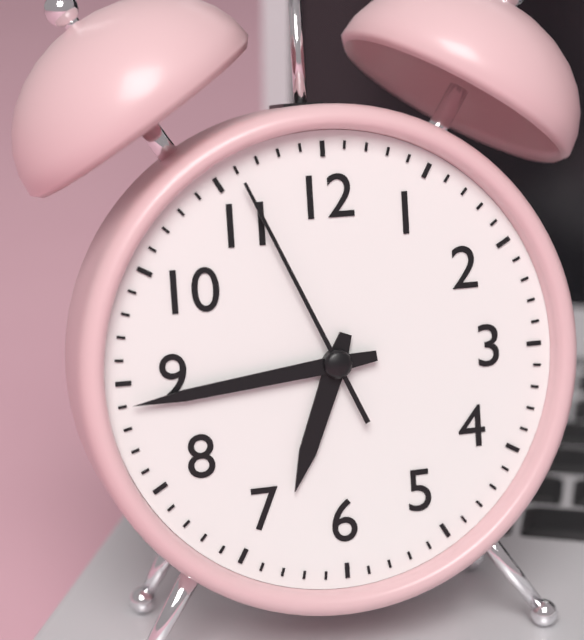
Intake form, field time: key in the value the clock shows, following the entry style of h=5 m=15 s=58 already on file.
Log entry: h=6 m=44 s=56
